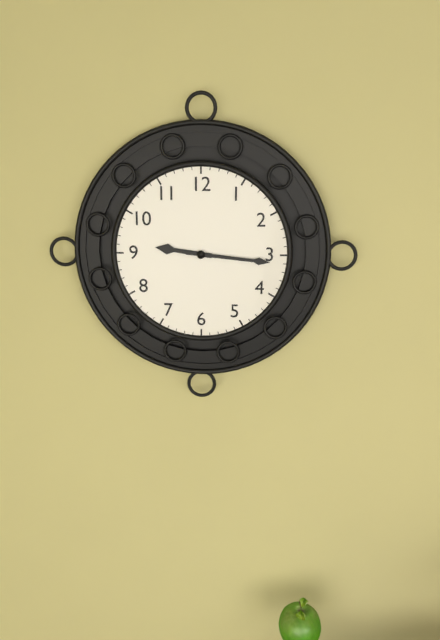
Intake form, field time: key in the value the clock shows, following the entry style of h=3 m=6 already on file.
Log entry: h=9 m=16
